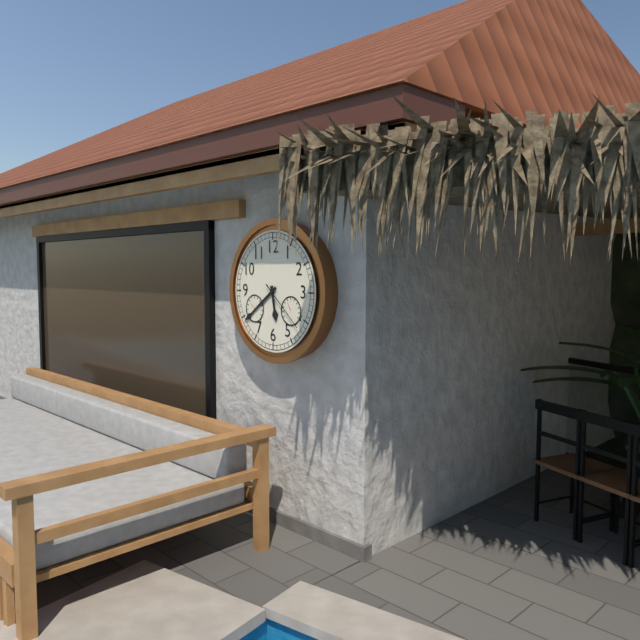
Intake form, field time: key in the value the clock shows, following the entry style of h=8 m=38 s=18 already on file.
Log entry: h=5 m=39 s=22
